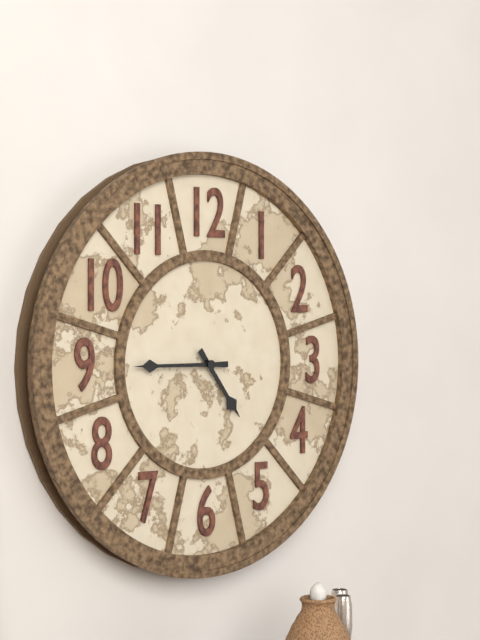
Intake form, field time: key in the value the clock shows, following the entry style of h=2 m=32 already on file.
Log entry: h=4 m=45
